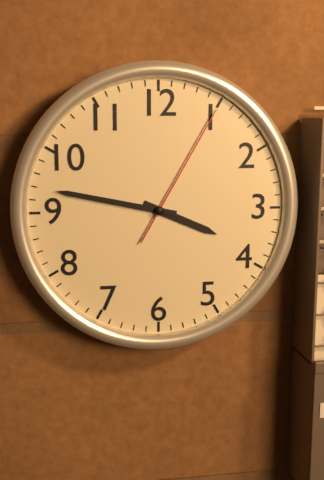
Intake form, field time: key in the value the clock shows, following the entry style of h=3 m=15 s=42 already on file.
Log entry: h=3 m=47 s=5
